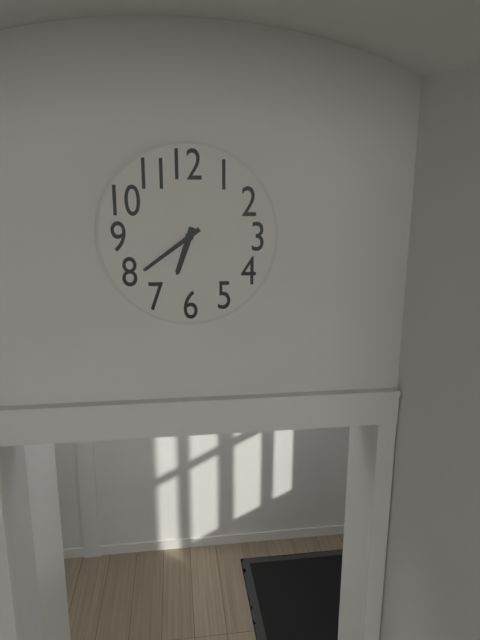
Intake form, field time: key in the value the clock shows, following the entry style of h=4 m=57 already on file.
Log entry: h=6 m=39
